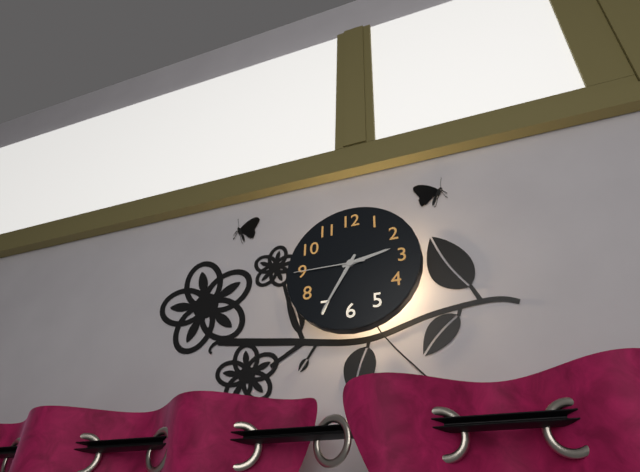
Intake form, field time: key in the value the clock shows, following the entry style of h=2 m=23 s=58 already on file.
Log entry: h=2 m=35 s=45
